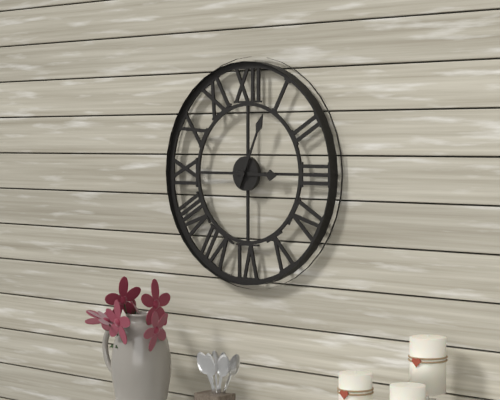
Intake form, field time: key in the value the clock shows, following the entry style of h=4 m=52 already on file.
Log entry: h=3 m=4
